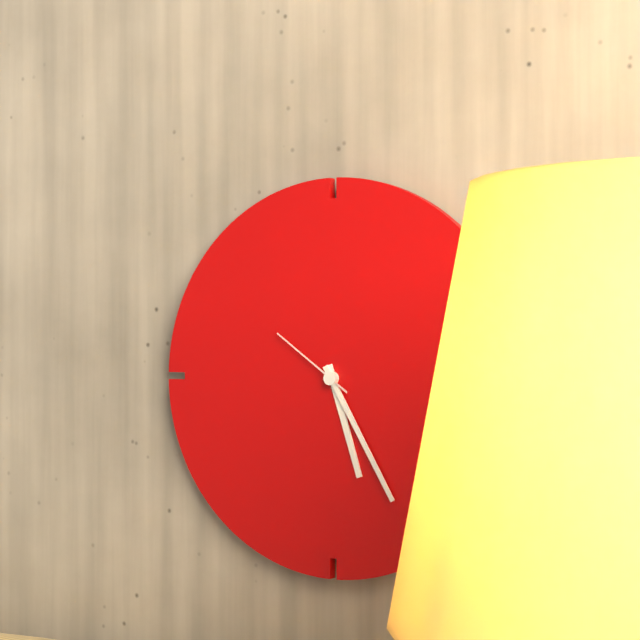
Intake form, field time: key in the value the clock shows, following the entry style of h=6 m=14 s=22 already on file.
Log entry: h=5 m=25 s=51
